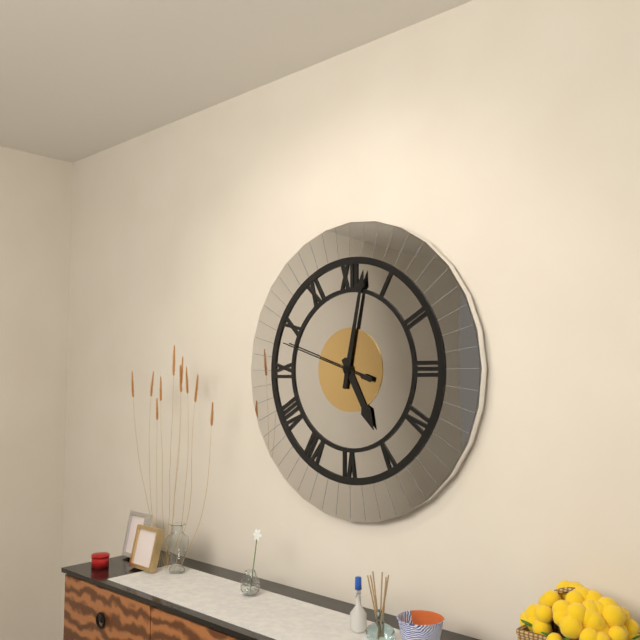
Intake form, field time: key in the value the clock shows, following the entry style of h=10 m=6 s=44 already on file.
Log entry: h=5 m=2 s=48
